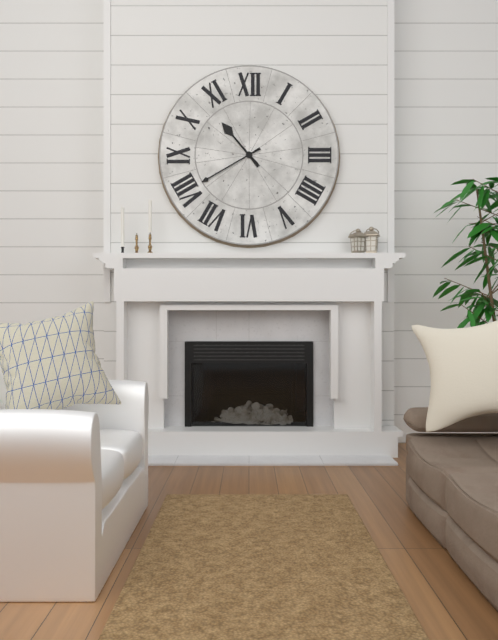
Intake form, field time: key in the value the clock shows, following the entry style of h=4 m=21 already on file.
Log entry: h=10 m=40
